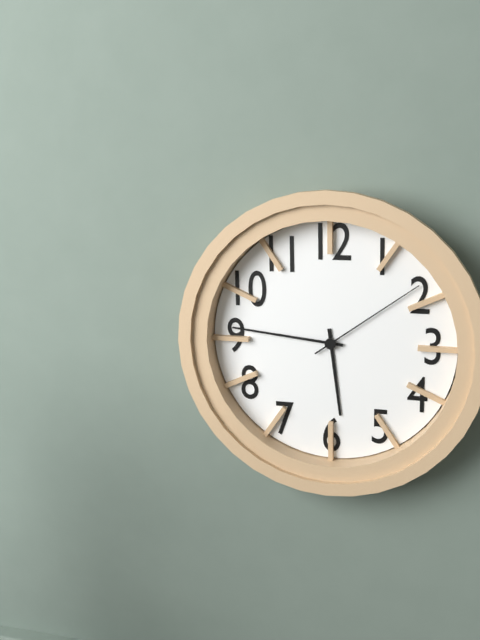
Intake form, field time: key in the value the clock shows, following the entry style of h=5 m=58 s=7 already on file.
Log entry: h=5 m=46 s=9
